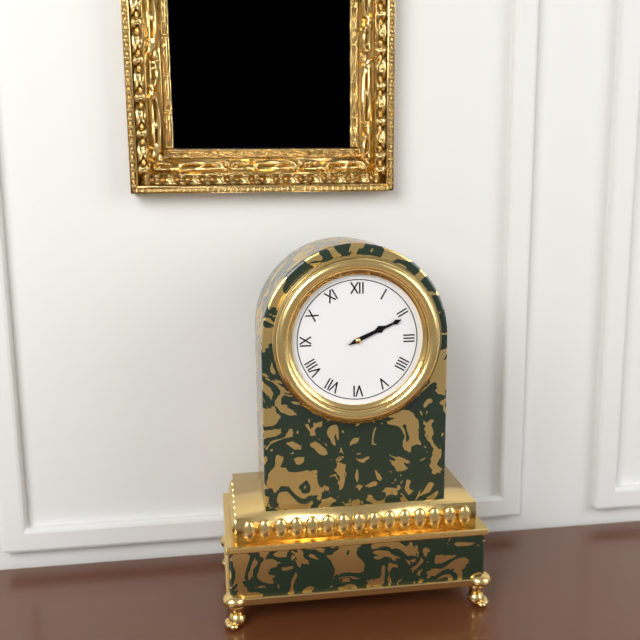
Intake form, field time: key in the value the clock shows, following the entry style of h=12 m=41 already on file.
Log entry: h=2 m=11
